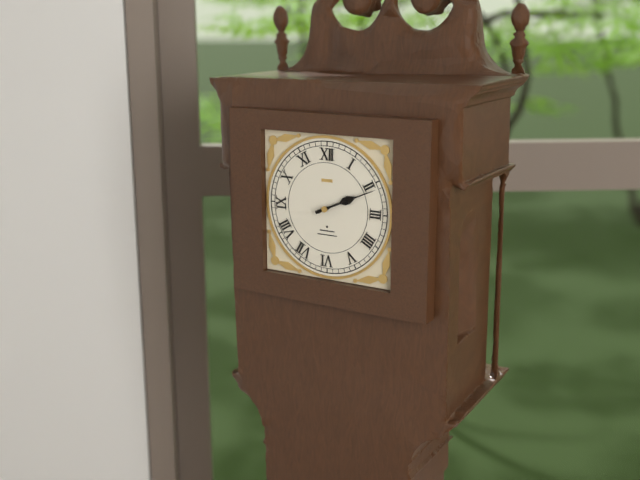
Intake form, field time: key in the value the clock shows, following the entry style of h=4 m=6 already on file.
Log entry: h=2 m=11
